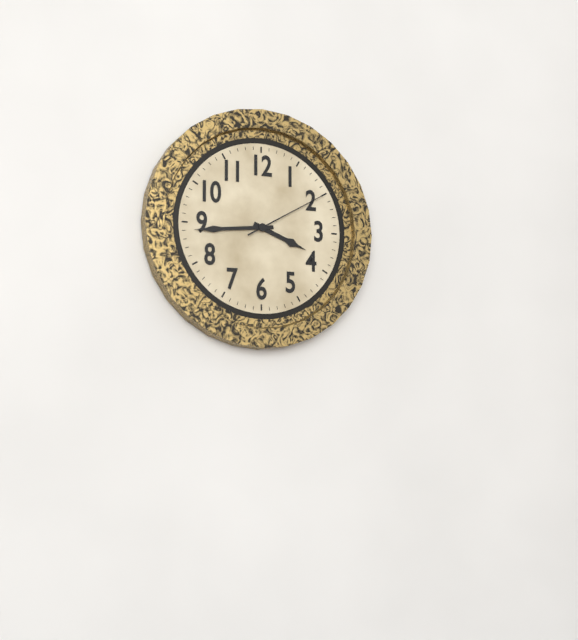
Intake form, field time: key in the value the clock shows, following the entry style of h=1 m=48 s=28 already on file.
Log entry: h=3 m=44 s=10
